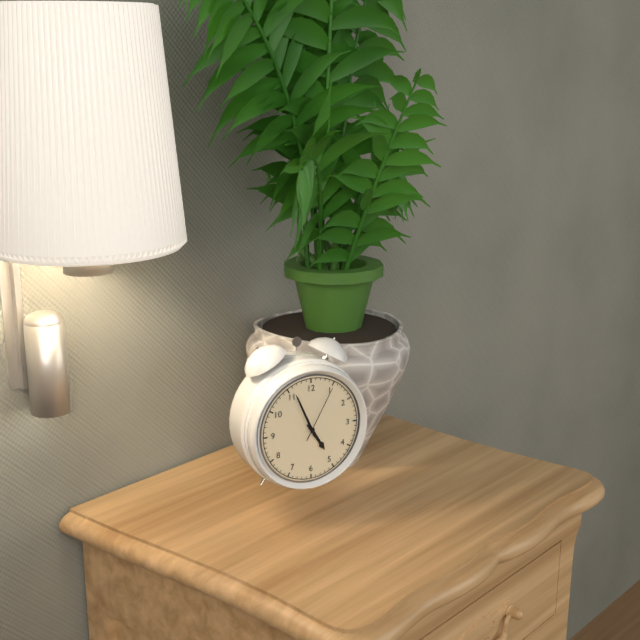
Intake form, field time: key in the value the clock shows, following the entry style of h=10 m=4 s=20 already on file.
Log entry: h=4 m=56 s=5
